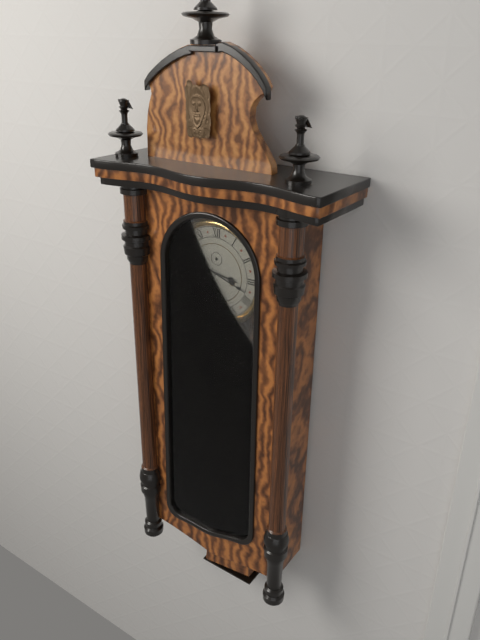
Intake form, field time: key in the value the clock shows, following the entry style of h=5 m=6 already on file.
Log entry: h=3 m=18
